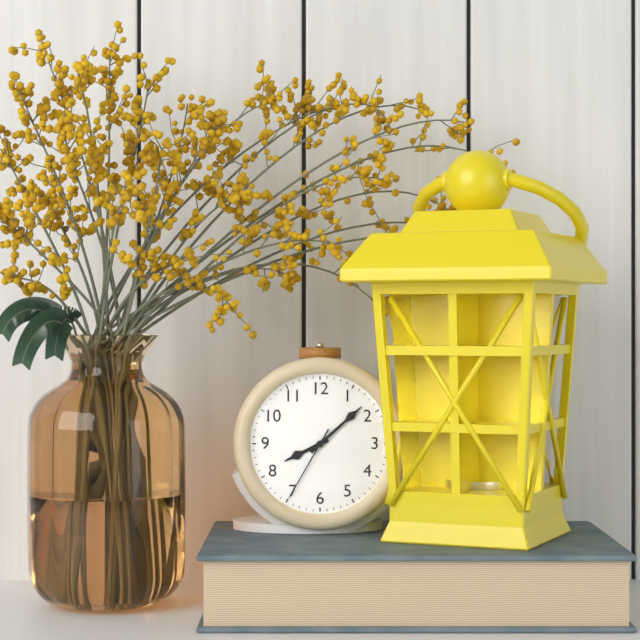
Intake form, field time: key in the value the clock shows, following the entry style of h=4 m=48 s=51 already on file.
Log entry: h=8 m=8 s=35
